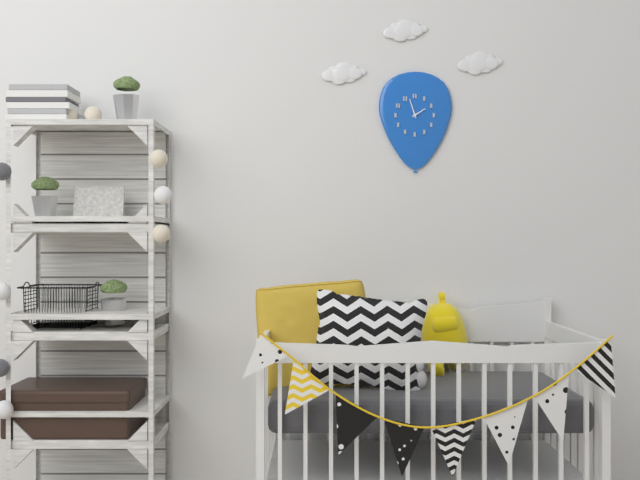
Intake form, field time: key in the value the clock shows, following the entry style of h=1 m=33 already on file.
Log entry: h=1 m=57
